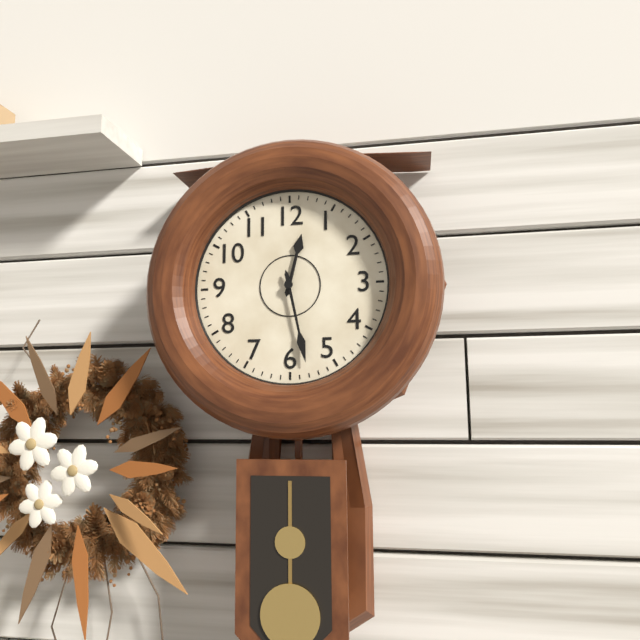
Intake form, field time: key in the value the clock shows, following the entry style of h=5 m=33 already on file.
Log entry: h=12 m=28
